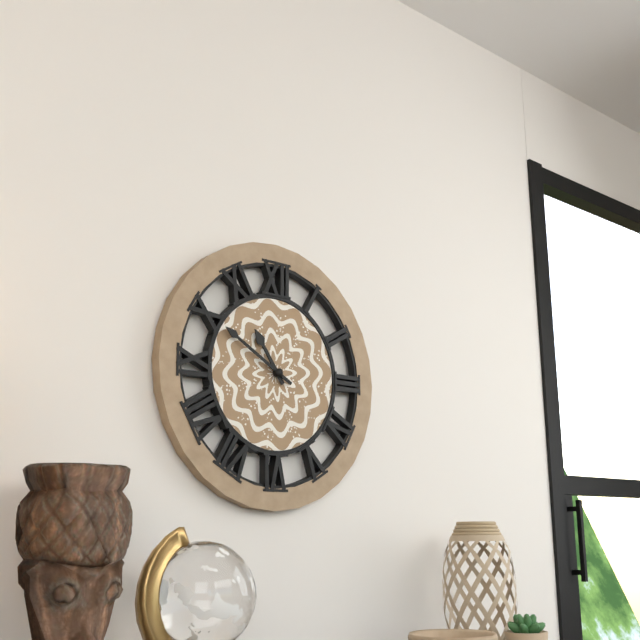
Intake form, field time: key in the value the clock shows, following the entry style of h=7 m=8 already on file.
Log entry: h=10 m=50
